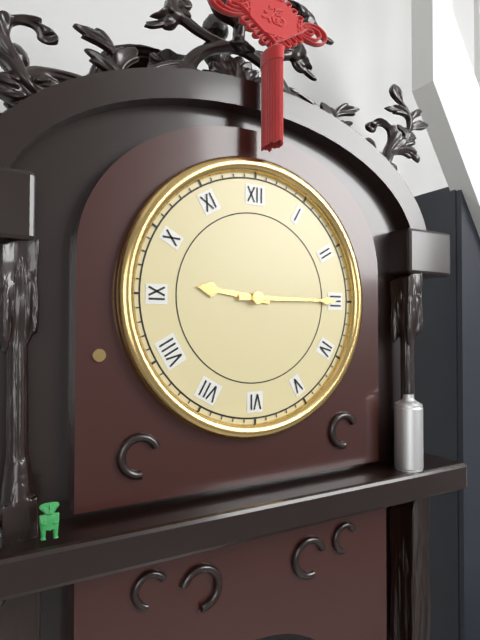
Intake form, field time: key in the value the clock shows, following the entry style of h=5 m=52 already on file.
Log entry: h=9 m=15
